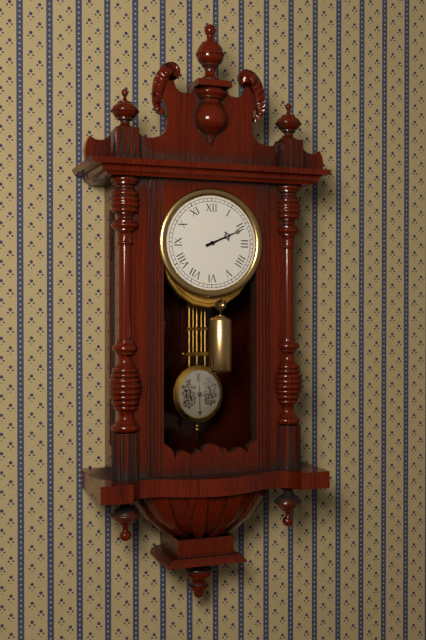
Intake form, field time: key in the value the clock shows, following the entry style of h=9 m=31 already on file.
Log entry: h=2 m=11
